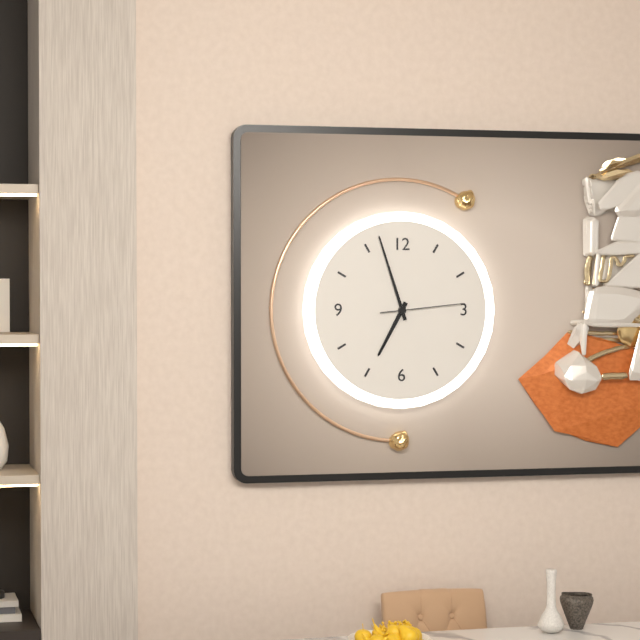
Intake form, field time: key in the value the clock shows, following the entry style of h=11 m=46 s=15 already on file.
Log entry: h=6 m=57 s=14
